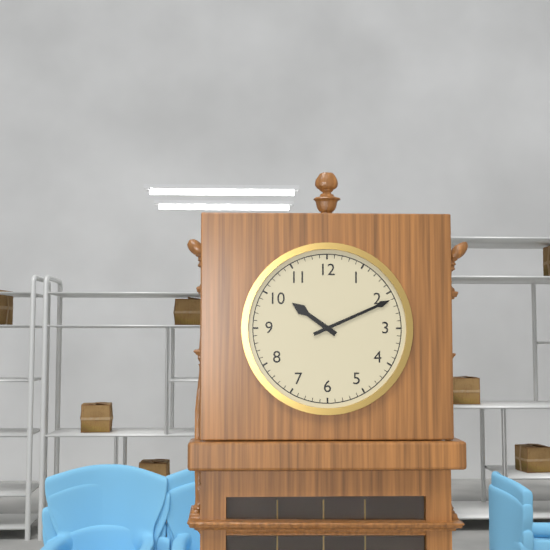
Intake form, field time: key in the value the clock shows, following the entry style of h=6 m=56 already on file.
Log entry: h=10 m=11
